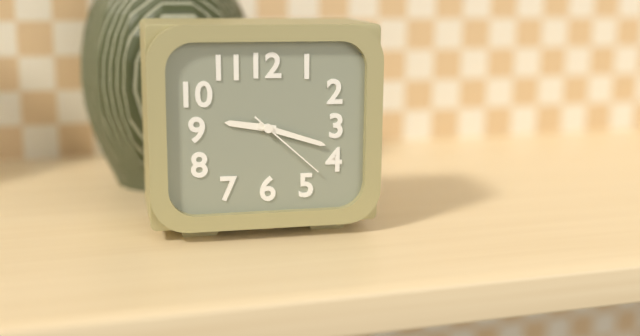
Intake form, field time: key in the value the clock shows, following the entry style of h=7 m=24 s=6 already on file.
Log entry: h=9 m=18 s=22
